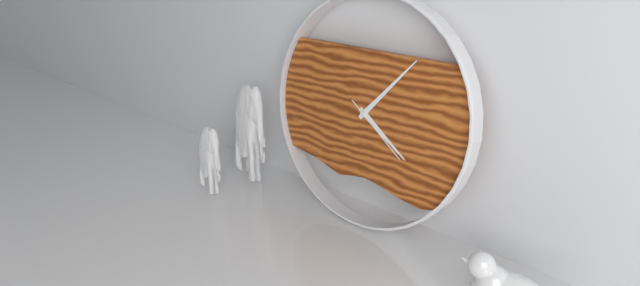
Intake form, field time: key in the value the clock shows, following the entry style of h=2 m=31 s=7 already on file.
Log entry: h=4 m=7 s=21
